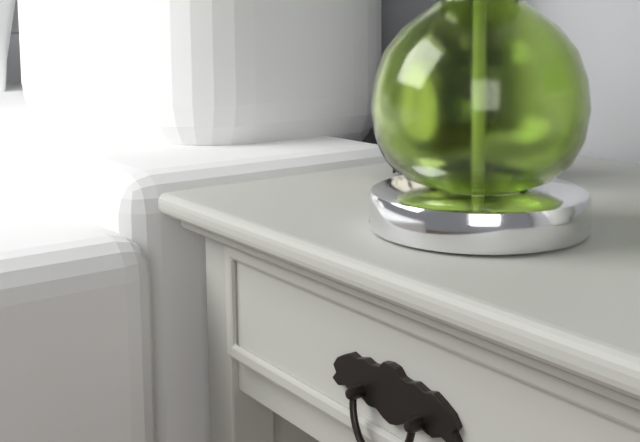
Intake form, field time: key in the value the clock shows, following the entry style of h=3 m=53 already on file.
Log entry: h=12 m=31
